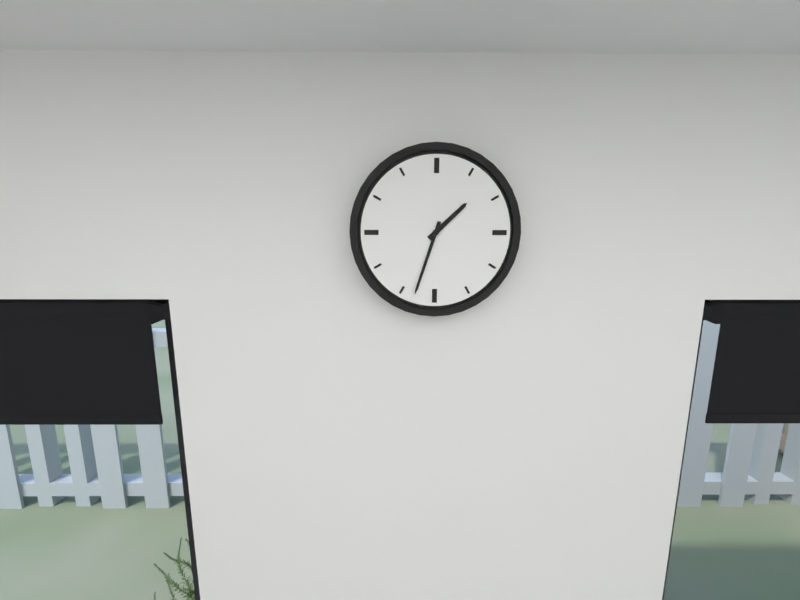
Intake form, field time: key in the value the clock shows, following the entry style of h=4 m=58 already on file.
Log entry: h=1 m=33
